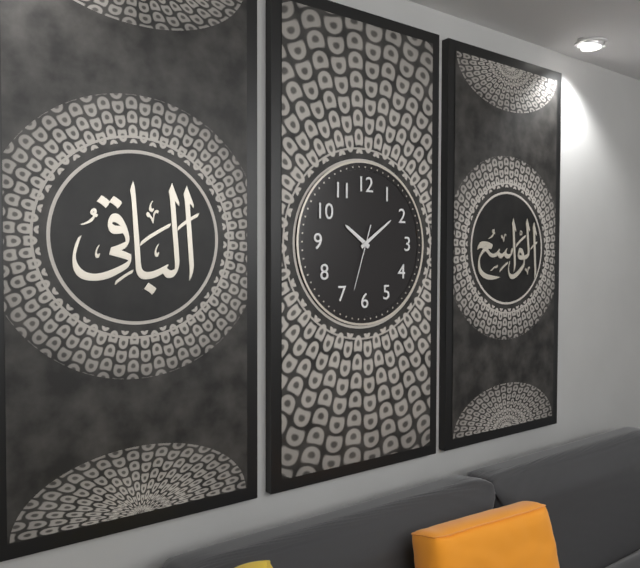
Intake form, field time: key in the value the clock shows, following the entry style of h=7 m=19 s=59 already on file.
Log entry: h=10 m=9 s=33
